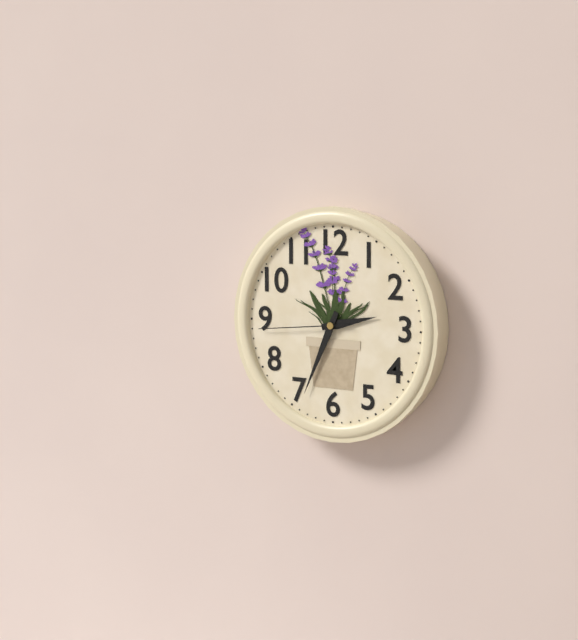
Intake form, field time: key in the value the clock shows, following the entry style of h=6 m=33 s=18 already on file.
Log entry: h=2 m=34 s=44
